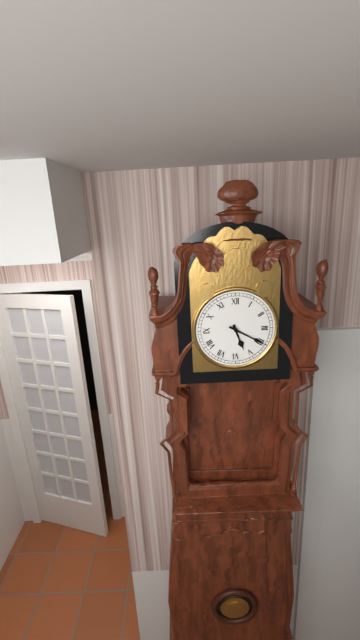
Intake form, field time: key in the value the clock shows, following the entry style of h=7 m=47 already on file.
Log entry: h=5 m=20
